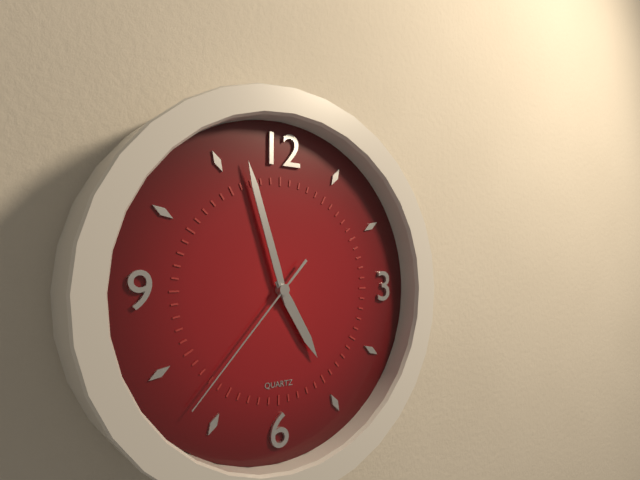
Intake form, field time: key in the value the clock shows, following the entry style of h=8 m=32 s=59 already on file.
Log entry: h=4 m=57 s=37
